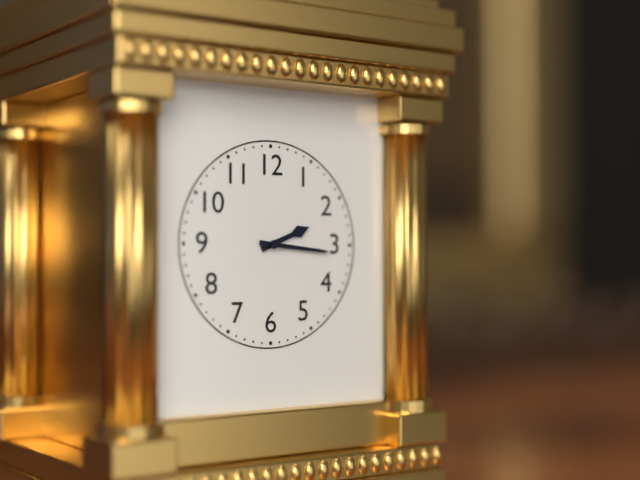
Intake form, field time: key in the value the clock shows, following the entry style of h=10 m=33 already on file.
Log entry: h=2 m=16
